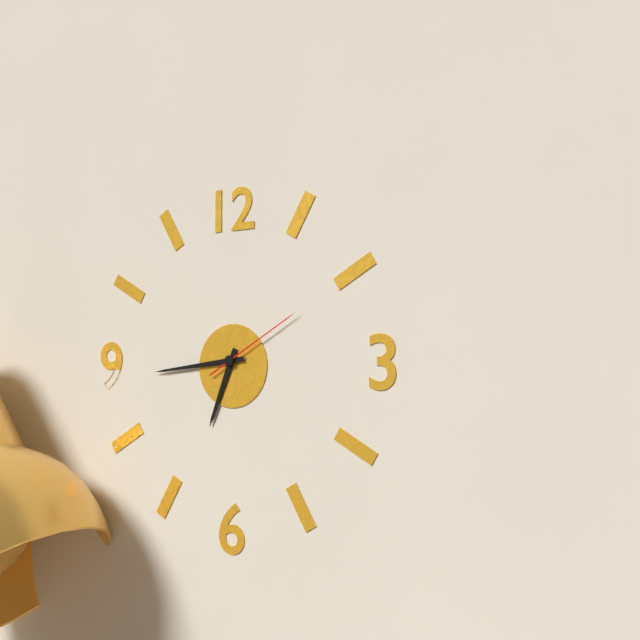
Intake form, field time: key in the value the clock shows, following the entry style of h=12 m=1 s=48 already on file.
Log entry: h=6 m=44 s=10
